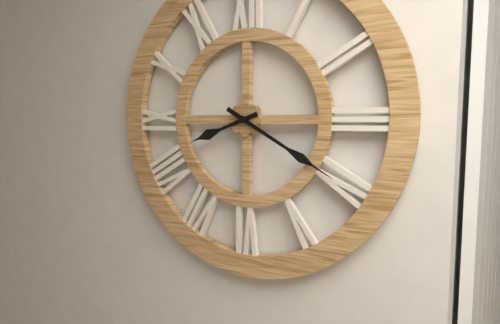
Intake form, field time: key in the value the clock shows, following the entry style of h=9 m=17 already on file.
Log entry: h=8 m=20
